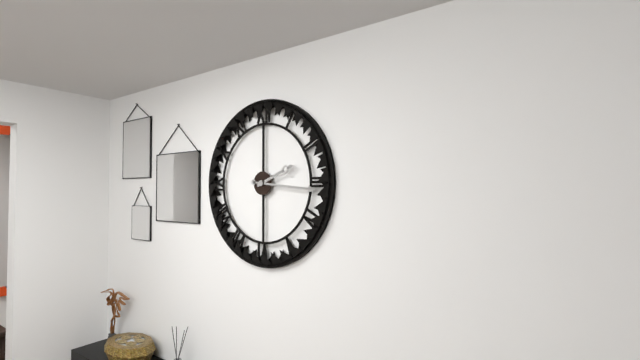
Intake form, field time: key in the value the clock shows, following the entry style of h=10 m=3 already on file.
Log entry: h=2 m=16
